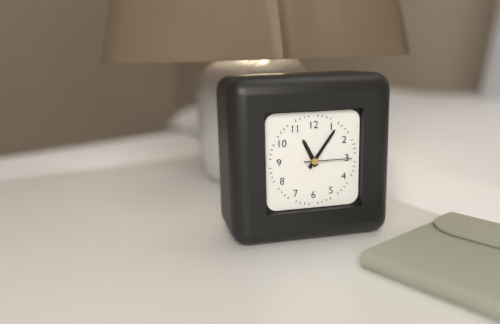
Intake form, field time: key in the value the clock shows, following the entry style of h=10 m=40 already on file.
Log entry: h=11 m=6
